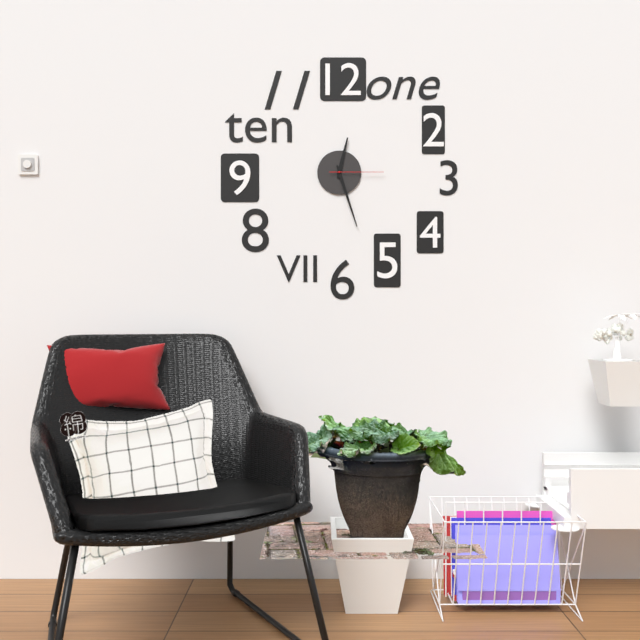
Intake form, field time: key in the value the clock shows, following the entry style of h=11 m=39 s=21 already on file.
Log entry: h=12 m=27 s=15
